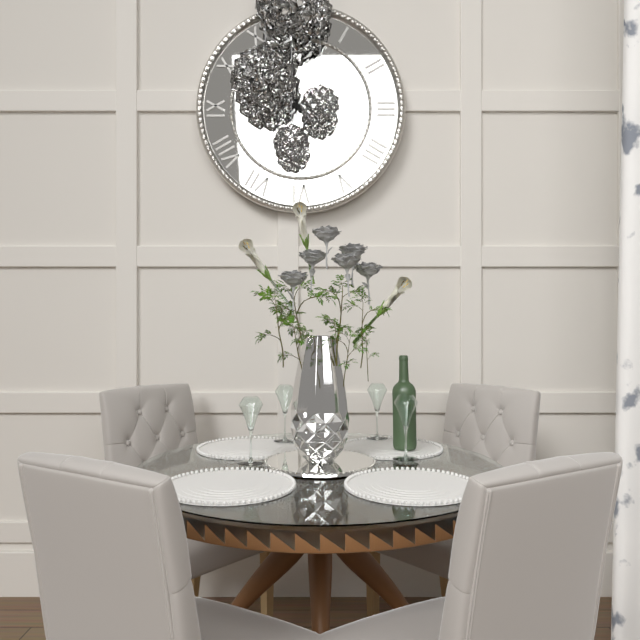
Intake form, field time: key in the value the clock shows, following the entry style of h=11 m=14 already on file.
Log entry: h=9 m=54
